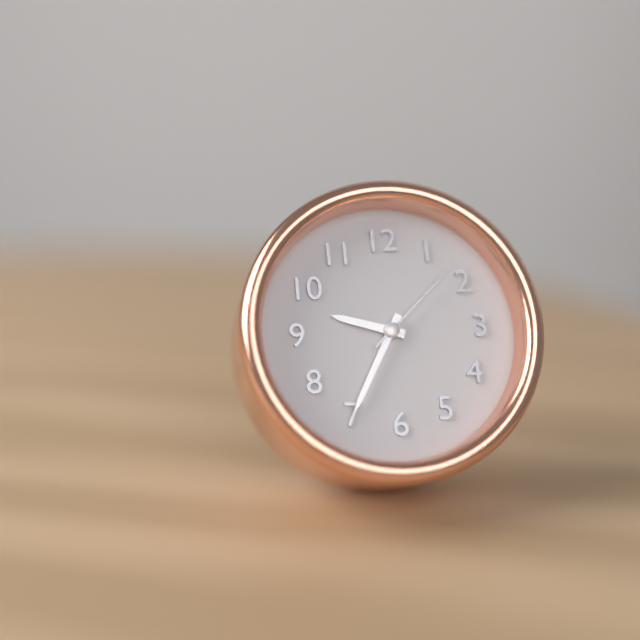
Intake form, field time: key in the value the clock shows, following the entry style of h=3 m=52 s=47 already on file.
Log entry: h=9 m=35 s=8
